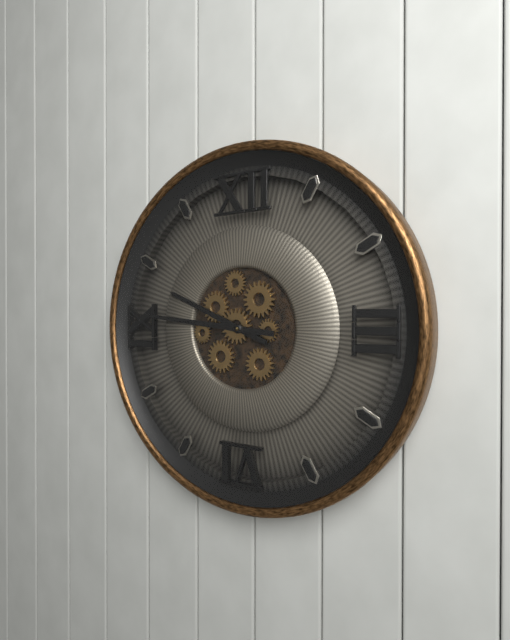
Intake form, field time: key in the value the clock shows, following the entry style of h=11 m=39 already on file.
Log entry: h=9 m=46
